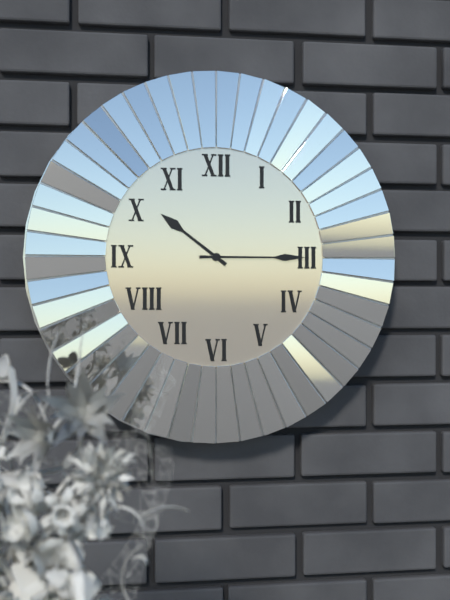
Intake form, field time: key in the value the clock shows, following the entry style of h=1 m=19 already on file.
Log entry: h=10 m=15
